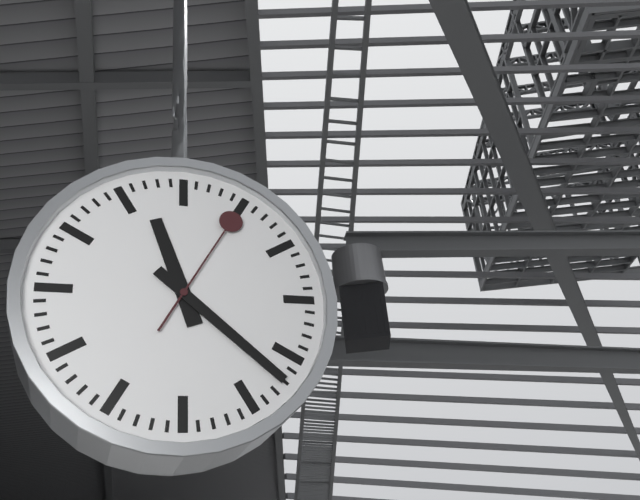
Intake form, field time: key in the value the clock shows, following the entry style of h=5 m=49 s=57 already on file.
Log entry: h=11 m=22 s=5
